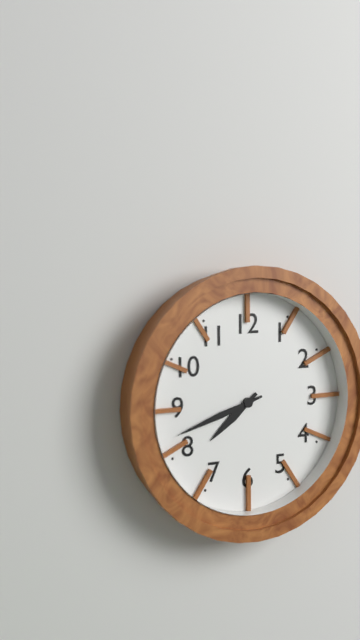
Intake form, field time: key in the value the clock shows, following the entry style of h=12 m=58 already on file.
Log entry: h=7 m=42
